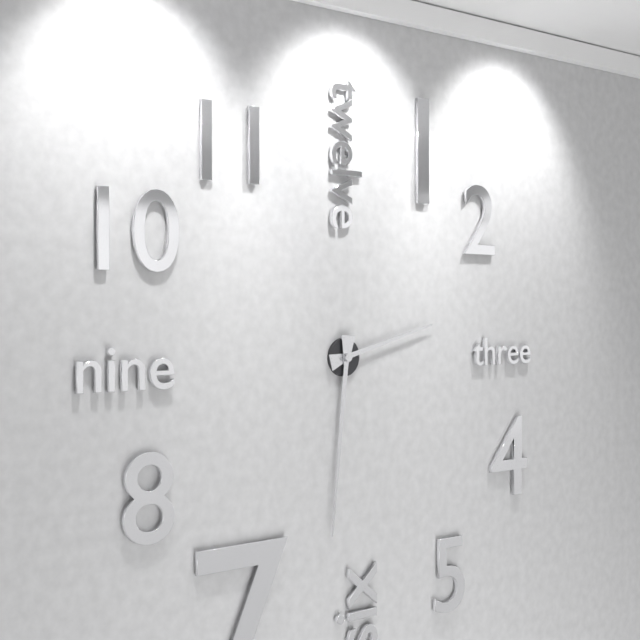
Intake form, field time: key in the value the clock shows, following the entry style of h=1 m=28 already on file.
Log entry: h=2 m=31
